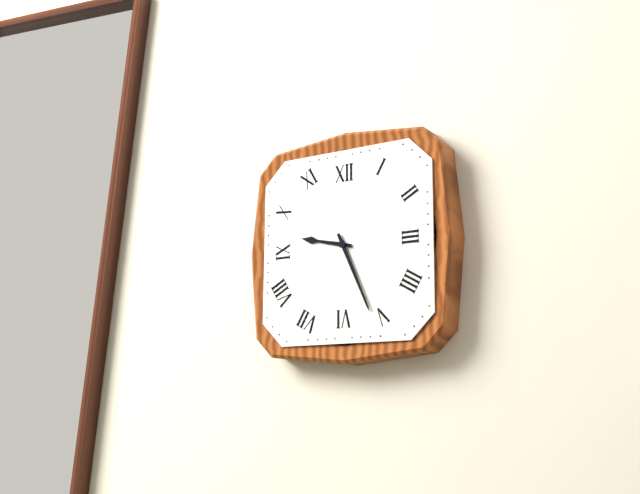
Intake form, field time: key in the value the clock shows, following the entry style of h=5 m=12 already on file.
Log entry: h=9 m=26
